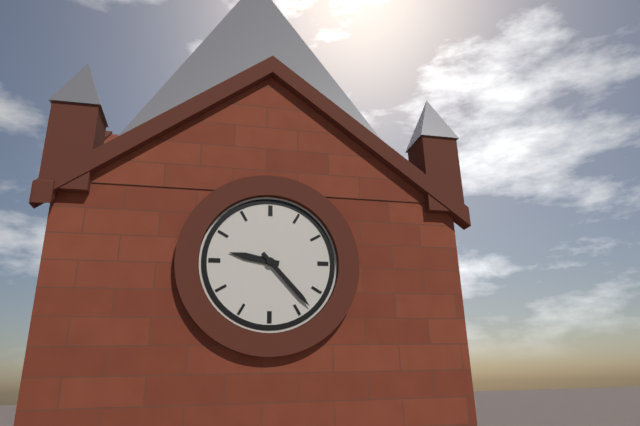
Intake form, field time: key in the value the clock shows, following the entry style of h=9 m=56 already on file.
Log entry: h=9 m=23
